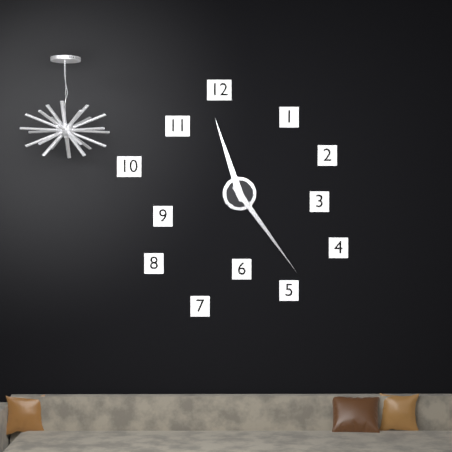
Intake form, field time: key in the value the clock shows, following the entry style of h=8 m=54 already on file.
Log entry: h=11 m=24
